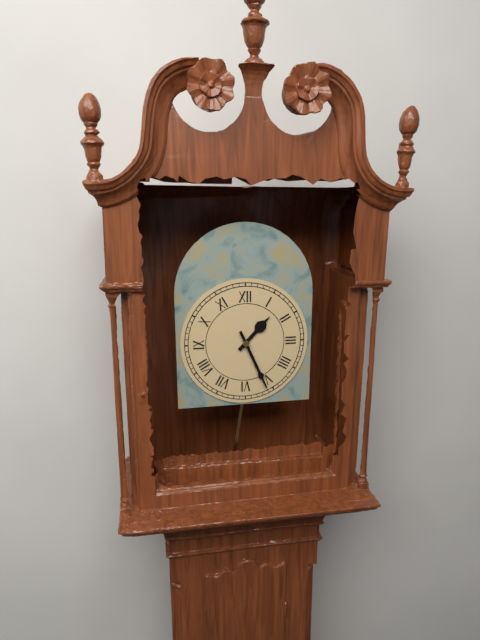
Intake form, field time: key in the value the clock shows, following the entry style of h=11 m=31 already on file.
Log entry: h=1 m=26
